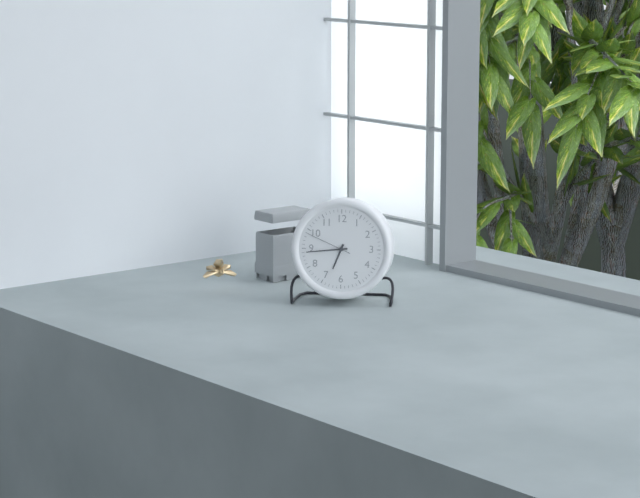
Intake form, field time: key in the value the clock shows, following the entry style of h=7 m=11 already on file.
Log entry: h=6 m=44
